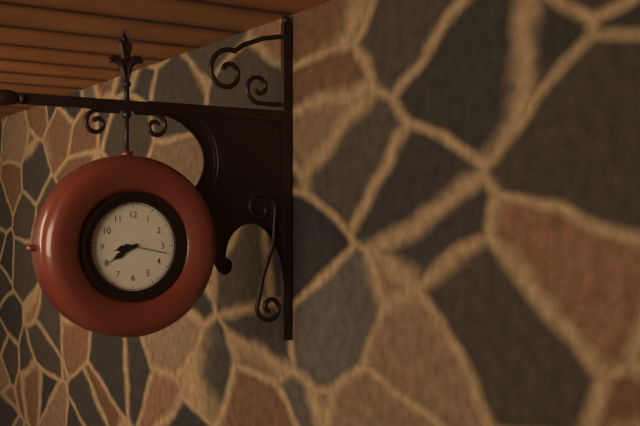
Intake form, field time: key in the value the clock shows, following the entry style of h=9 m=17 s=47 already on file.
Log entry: h=8 m=40 s=17
